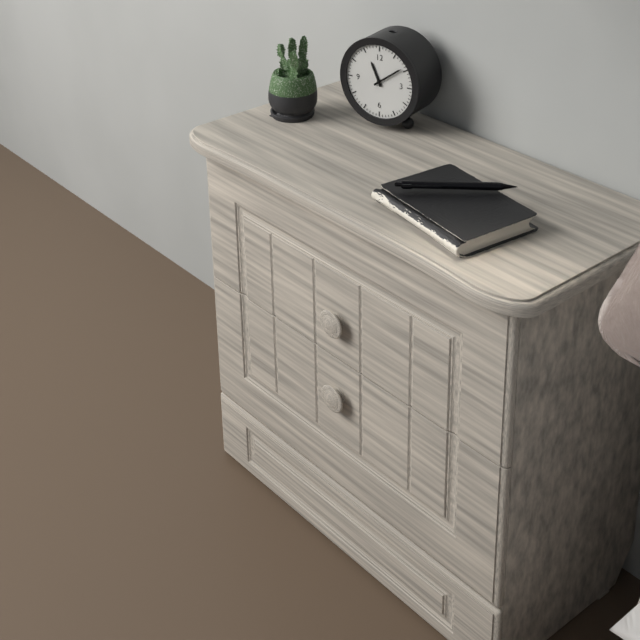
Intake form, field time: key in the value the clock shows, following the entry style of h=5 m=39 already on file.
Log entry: h=11 m=9
